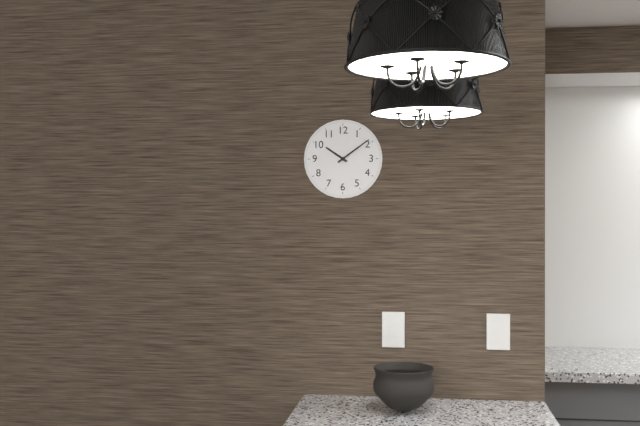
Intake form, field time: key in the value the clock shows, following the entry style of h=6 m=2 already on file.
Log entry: h=10 m=9
